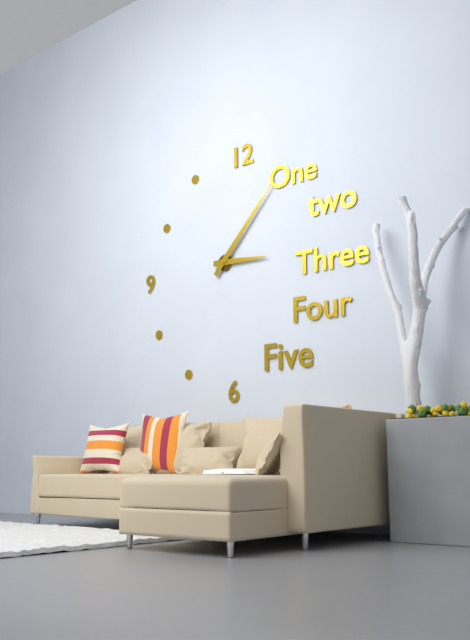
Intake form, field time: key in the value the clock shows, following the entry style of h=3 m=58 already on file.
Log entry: h=3 m=7
